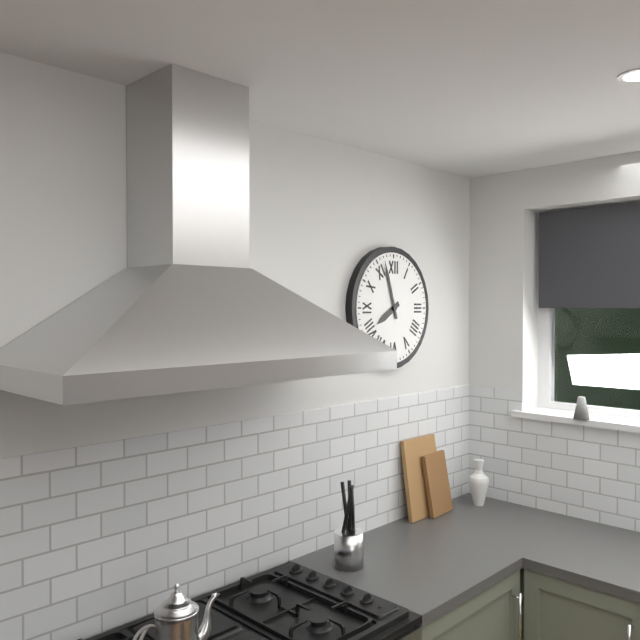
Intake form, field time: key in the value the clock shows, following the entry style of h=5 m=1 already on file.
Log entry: h=7 m=57
